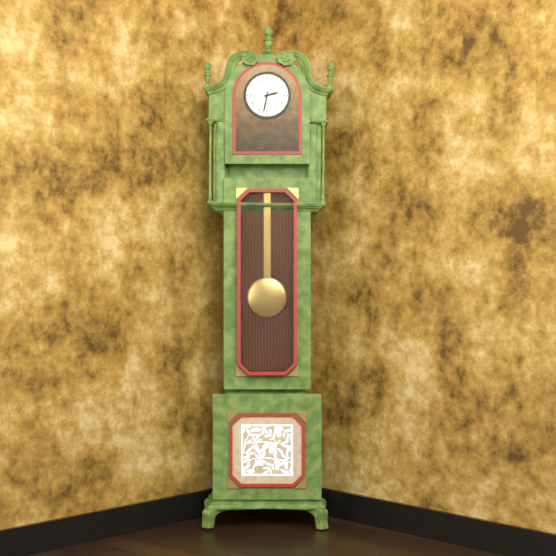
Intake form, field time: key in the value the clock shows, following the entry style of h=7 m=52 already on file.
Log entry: h=2 m=32
